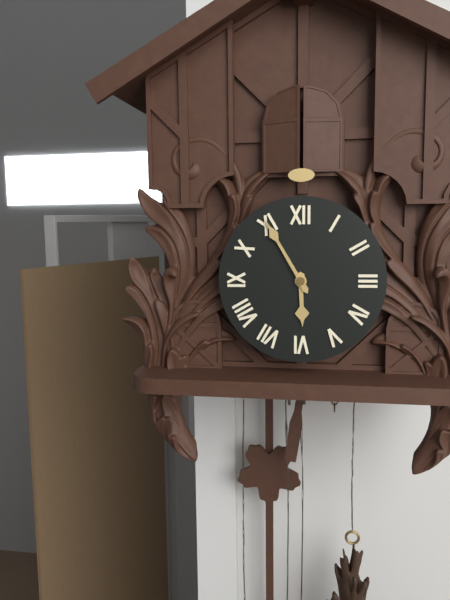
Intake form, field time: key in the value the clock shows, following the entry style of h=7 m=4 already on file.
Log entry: h=5 m=55
